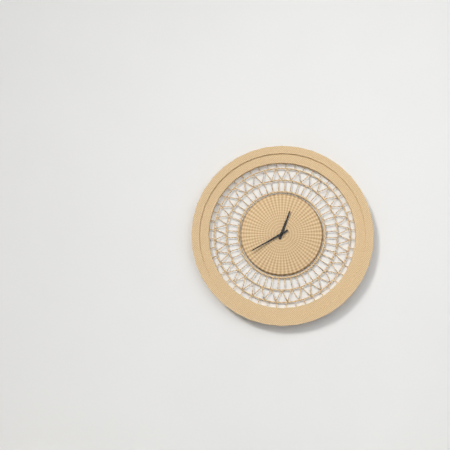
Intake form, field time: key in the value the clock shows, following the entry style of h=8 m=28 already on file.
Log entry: h=12 m=40
